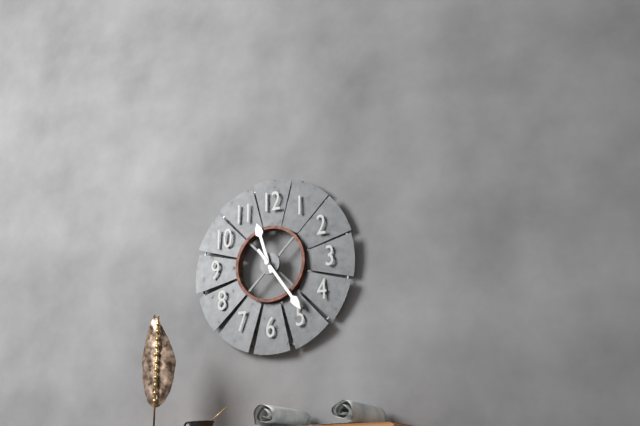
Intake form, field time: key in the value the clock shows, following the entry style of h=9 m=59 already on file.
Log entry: h=11 m=24
